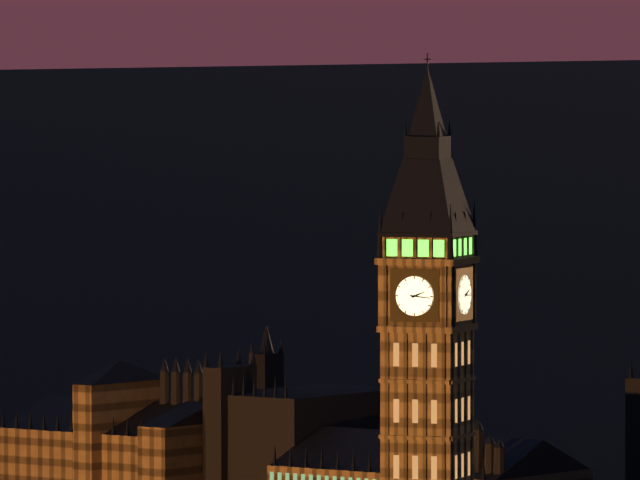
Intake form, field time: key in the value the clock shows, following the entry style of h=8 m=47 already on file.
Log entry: h=2 m=16
